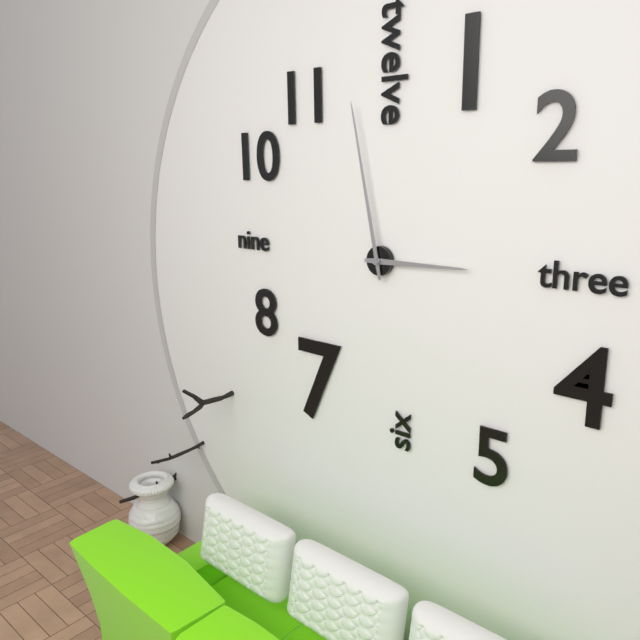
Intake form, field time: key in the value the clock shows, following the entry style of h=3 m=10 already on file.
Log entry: h=2 m=58
